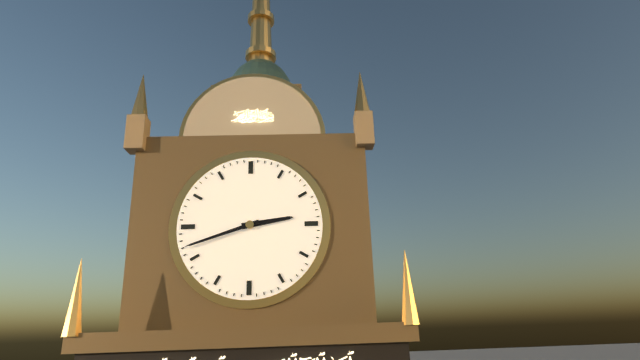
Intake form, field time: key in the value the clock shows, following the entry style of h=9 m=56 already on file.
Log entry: h=2 m=42
